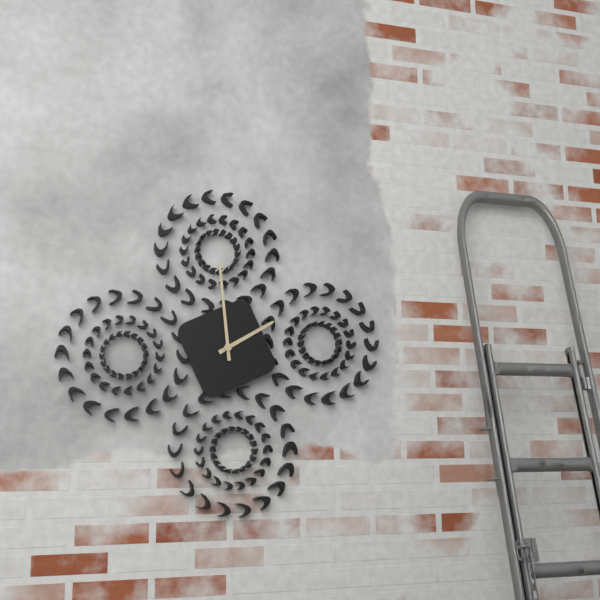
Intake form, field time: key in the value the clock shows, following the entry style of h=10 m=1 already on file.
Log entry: h=1 m=59
